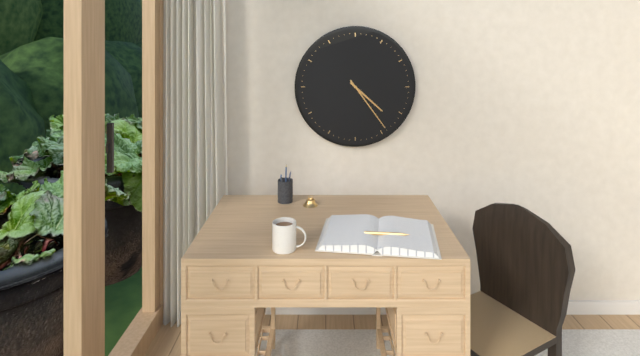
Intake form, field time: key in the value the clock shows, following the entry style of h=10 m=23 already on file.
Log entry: h=4 m=24
